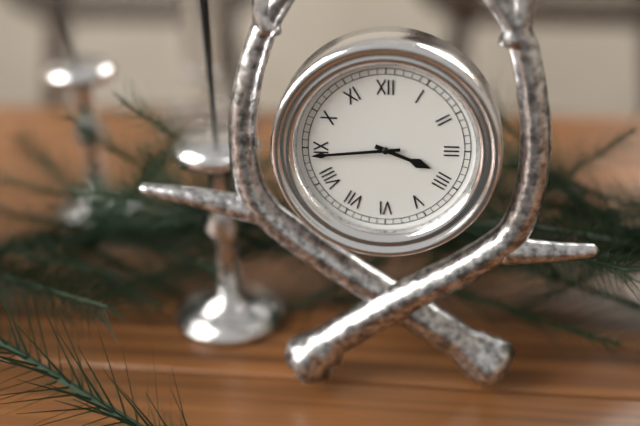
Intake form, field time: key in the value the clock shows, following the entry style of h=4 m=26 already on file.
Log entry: h=3 m=44
